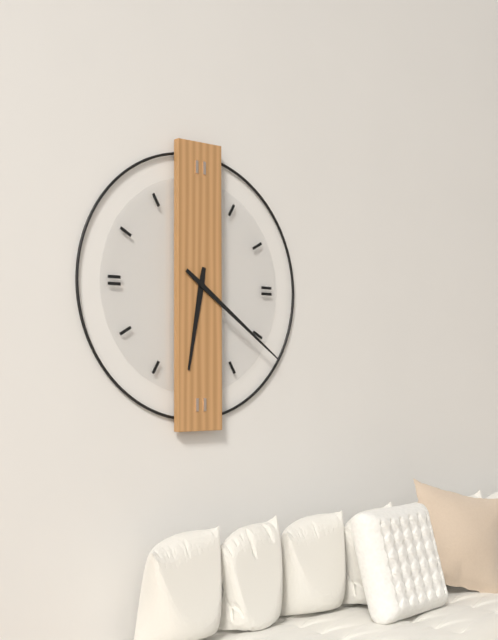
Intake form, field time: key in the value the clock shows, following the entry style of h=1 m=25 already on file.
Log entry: h=6 m=21
